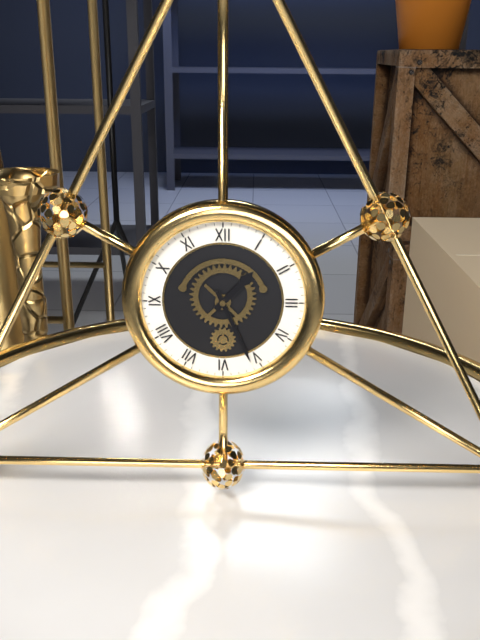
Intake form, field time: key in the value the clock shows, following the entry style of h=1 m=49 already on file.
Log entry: h=1 m=26
